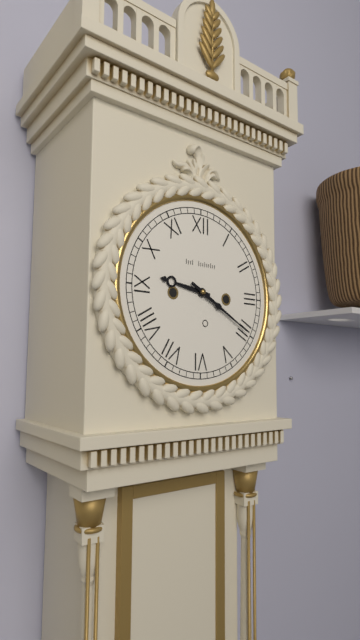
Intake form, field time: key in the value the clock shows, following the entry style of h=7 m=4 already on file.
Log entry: h=9 m=20
